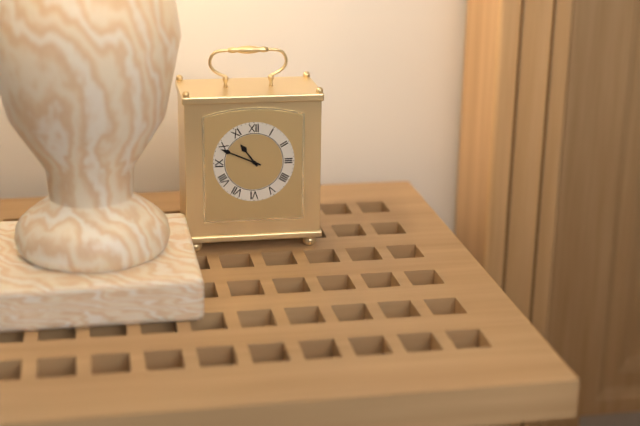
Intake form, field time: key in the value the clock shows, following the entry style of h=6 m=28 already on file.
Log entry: h=10 m=49
